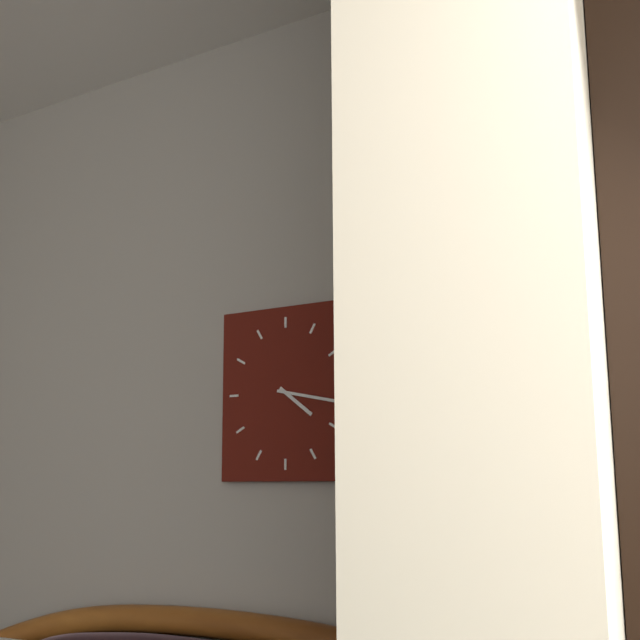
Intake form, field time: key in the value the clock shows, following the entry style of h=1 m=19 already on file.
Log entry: h=4 m=17
